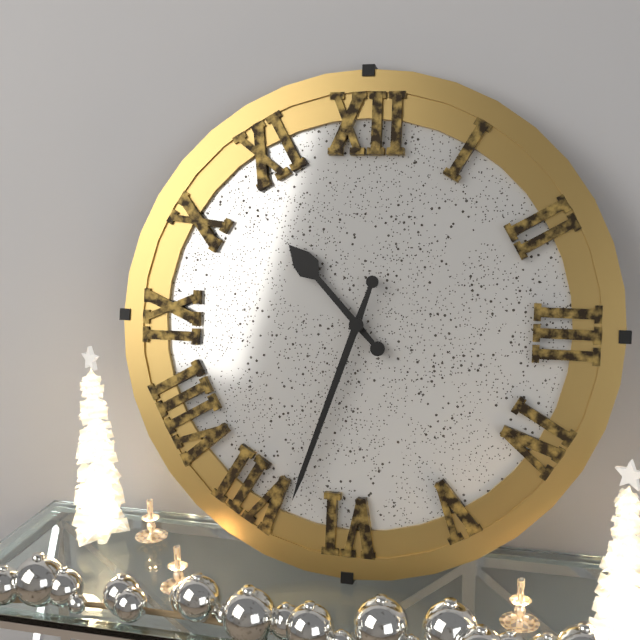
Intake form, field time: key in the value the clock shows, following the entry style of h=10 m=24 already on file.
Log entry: h=10 m=33
